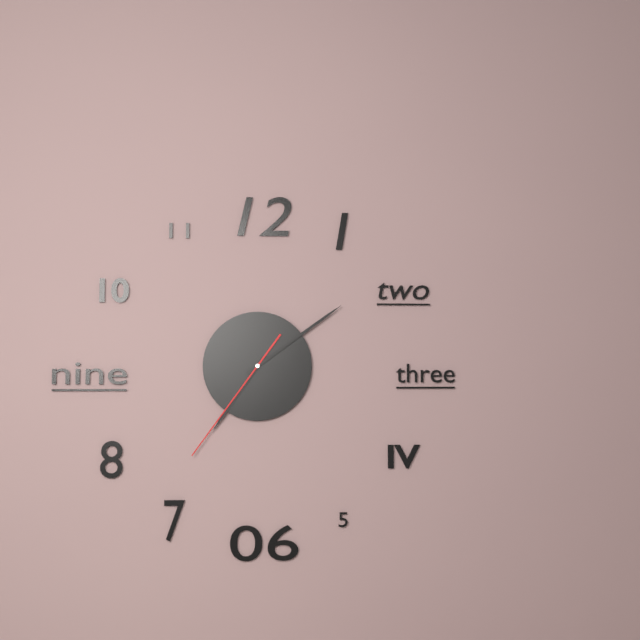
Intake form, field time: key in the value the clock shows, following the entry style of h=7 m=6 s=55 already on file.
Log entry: h=7 m=9 s=36
